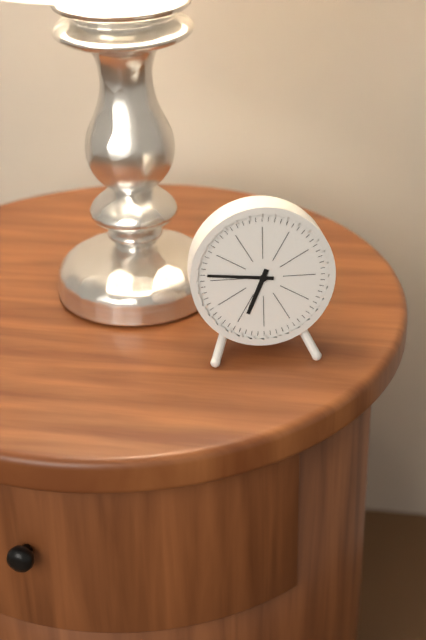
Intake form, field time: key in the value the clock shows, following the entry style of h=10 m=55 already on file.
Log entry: h=6 m=46
